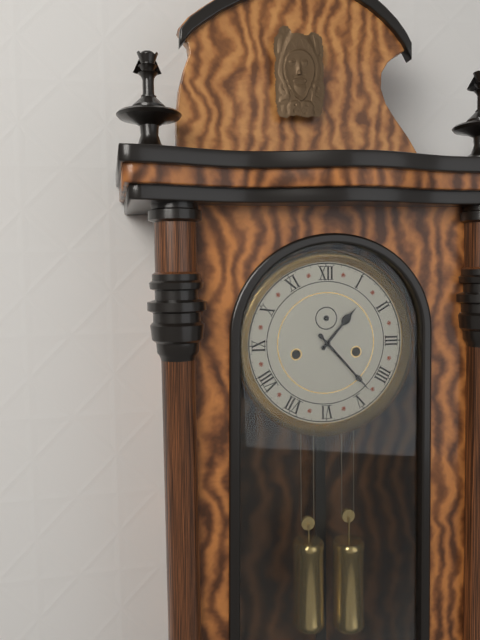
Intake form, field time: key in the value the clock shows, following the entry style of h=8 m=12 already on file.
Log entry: h=1 m=23
